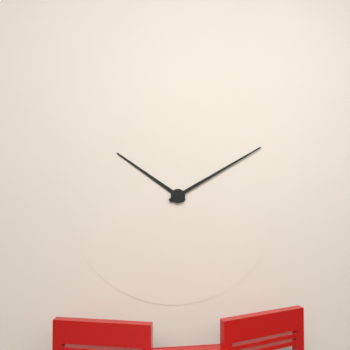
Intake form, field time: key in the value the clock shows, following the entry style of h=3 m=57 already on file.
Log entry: h=10 m=10
